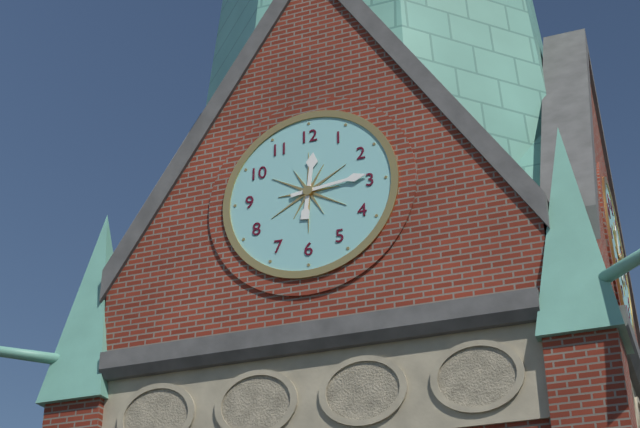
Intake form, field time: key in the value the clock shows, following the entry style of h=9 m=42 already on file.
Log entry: h=12 m=14
